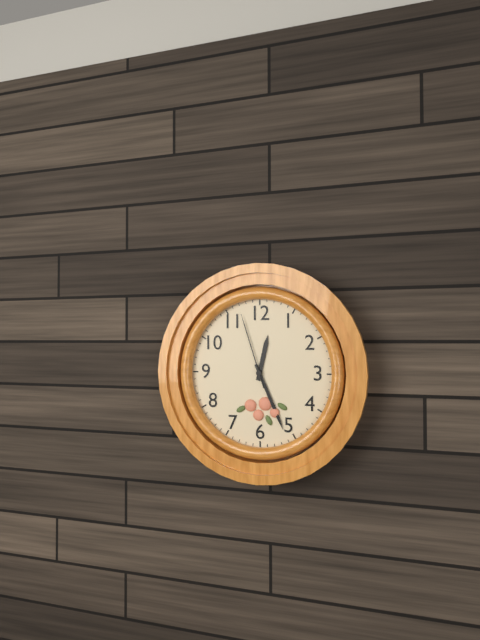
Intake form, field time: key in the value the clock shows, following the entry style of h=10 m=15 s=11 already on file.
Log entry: h=12 m=26 s=57
